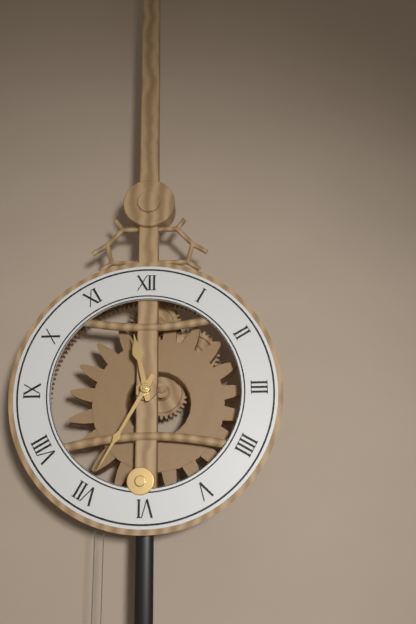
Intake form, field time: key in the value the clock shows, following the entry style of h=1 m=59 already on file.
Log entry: h=11 m=35
